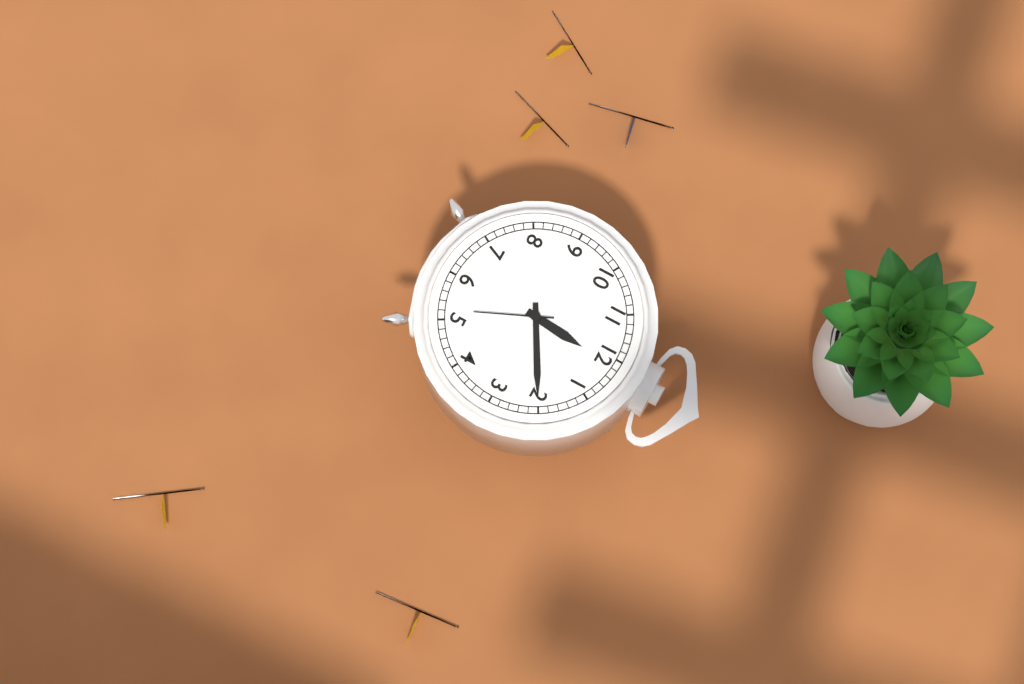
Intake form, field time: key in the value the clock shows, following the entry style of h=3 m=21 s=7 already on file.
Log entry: h=12 m=10 s=26
